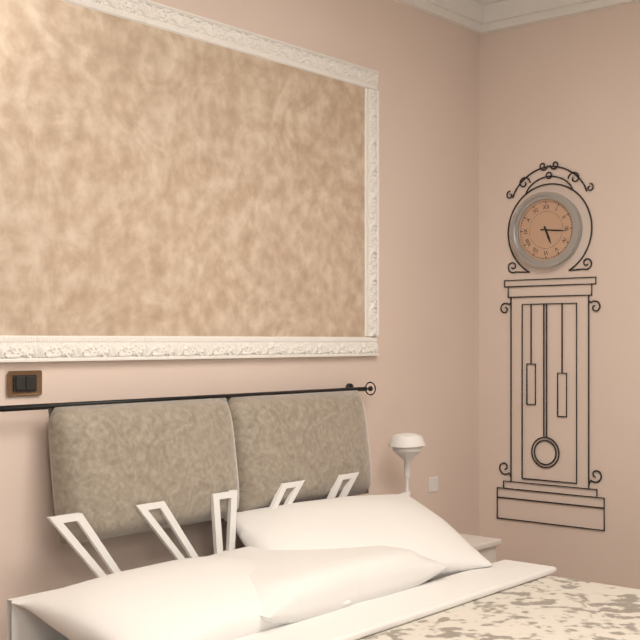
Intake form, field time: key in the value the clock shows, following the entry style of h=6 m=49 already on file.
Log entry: h=5 m=16
